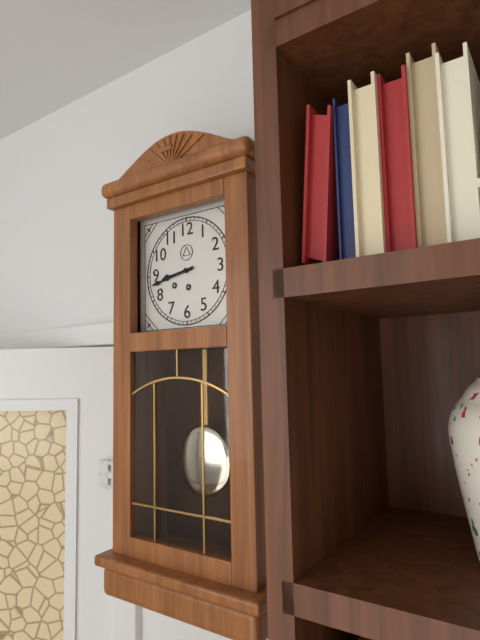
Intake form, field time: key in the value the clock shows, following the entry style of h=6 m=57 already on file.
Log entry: h=8 m=43
